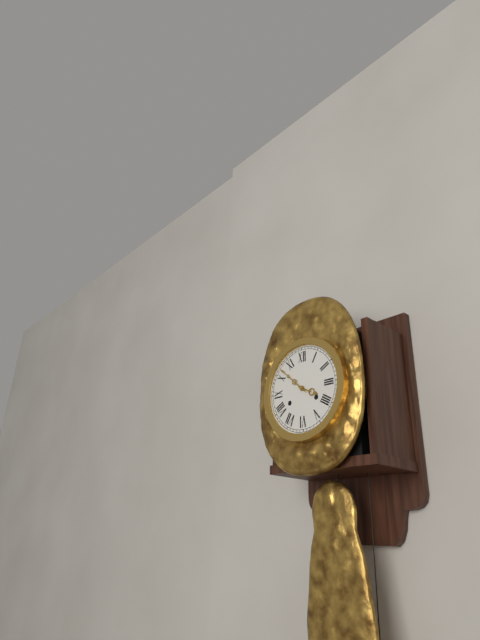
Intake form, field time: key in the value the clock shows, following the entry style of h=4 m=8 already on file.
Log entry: h=3 m=52
